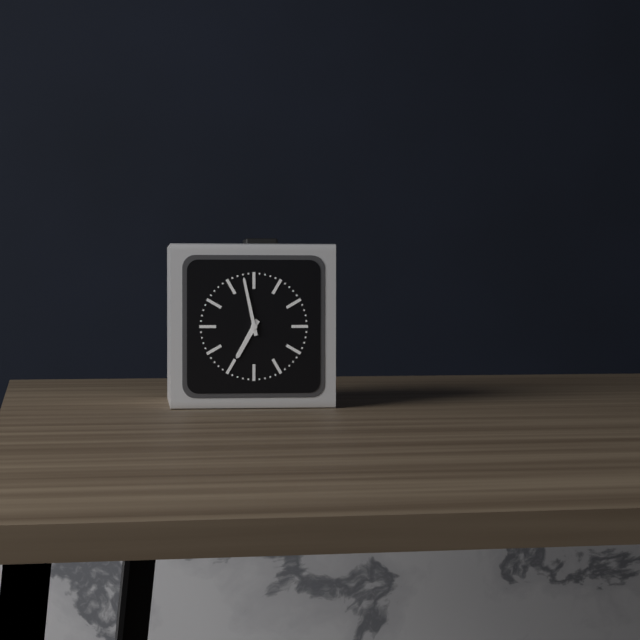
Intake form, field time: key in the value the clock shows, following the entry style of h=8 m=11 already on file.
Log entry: h=6 m=58
